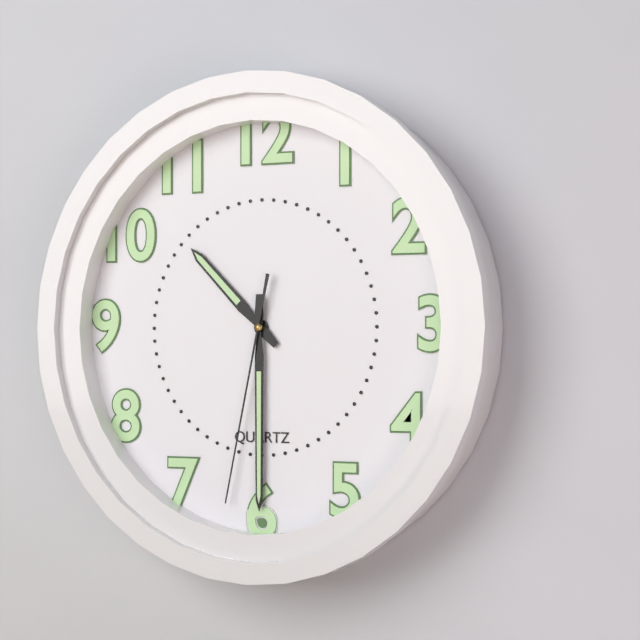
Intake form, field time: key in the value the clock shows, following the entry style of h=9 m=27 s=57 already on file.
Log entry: h=10 m=30 s=32
